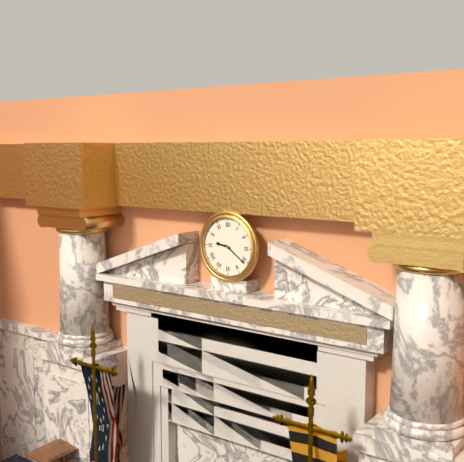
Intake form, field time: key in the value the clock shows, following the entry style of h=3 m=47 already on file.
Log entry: h=9 m=21
